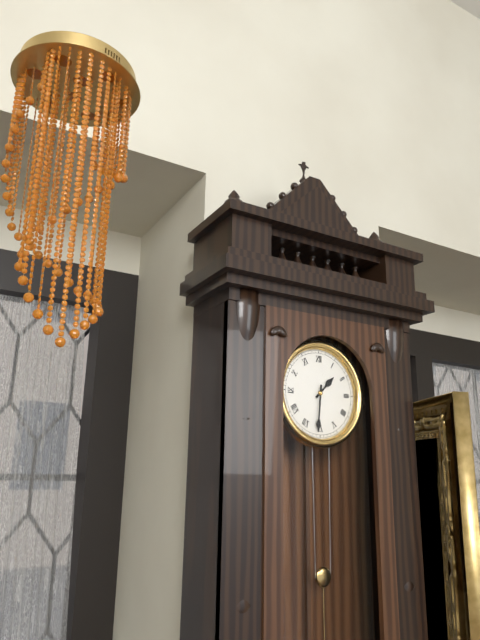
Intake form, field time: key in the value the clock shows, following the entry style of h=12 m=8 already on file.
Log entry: h=1 m=31
